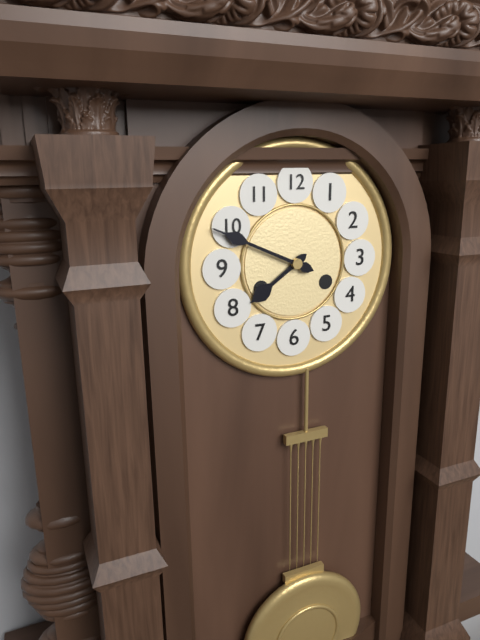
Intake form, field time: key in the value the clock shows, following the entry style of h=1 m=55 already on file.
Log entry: h=7 m=49
